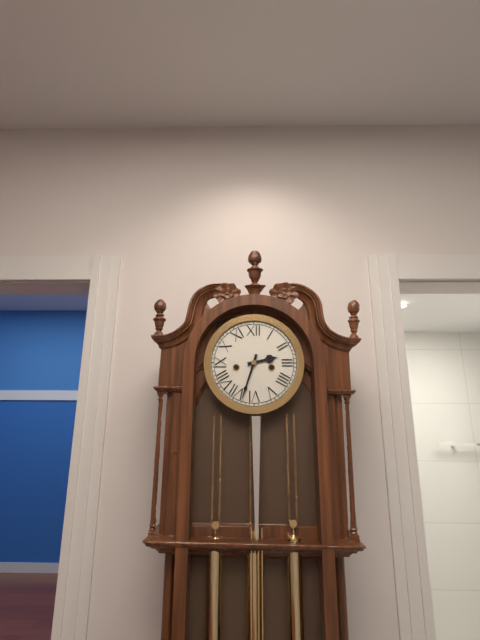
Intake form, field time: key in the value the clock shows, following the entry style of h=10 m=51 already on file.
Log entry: h=2 m=33
